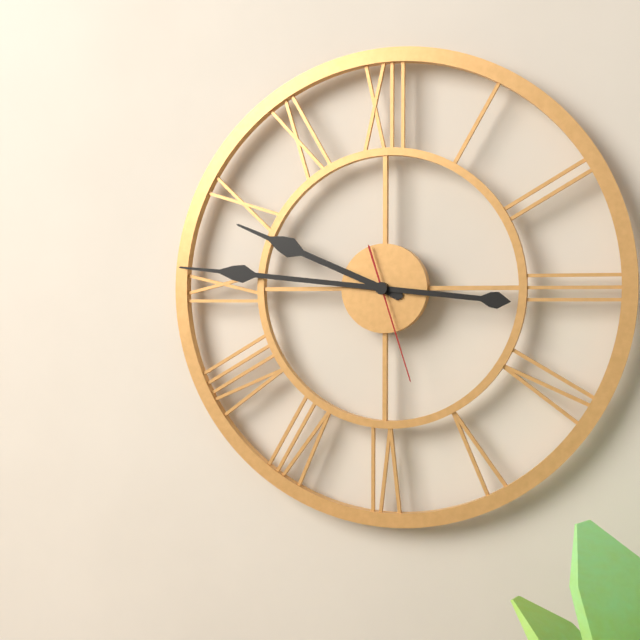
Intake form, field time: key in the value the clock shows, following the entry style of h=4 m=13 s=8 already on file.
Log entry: h=9 m=46 s=27
